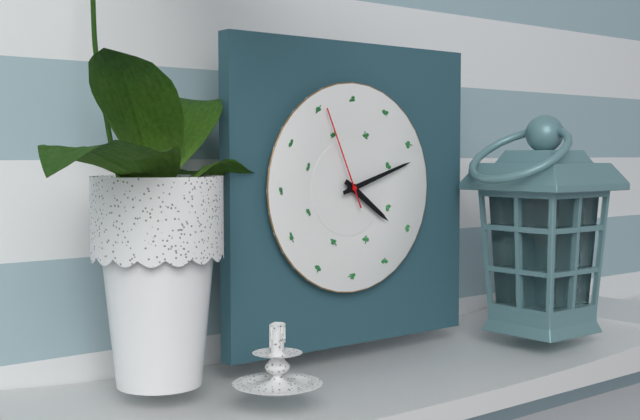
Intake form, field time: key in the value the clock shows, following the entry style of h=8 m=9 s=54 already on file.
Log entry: h=4 m=12 s=56
